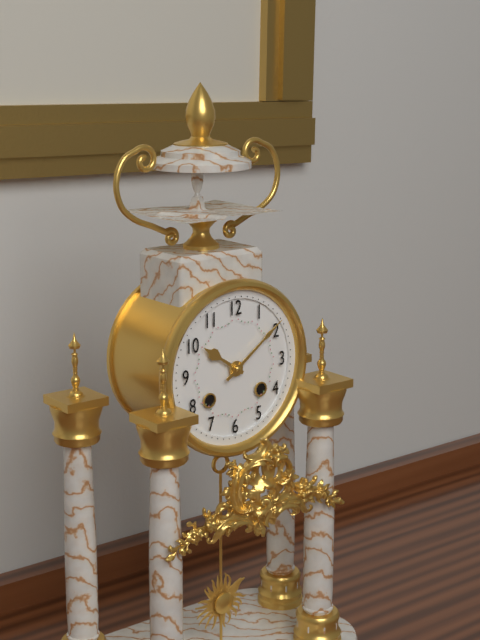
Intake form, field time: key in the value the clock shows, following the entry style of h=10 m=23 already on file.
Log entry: h=10 m=9
